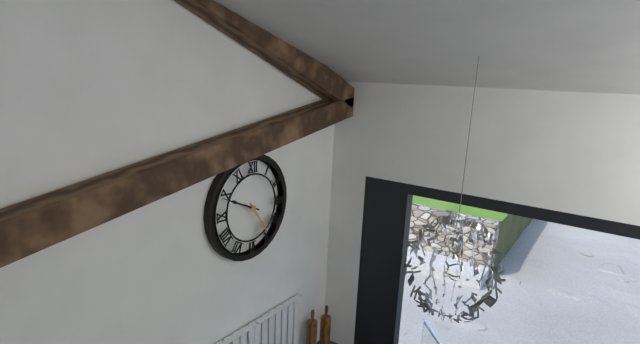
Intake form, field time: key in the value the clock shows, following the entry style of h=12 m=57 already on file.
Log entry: h=4 m=49
